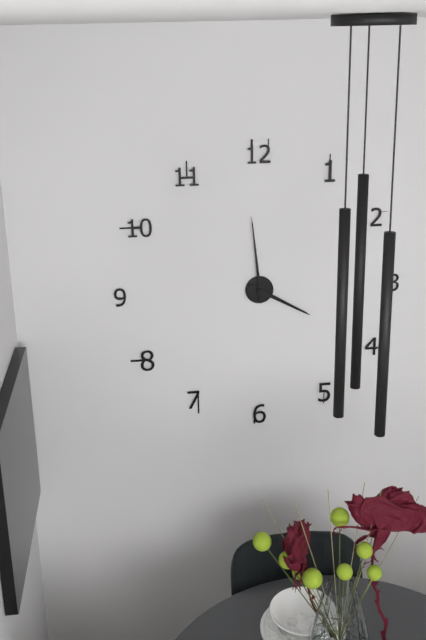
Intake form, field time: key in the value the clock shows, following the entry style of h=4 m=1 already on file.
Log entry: h=3 m=59
